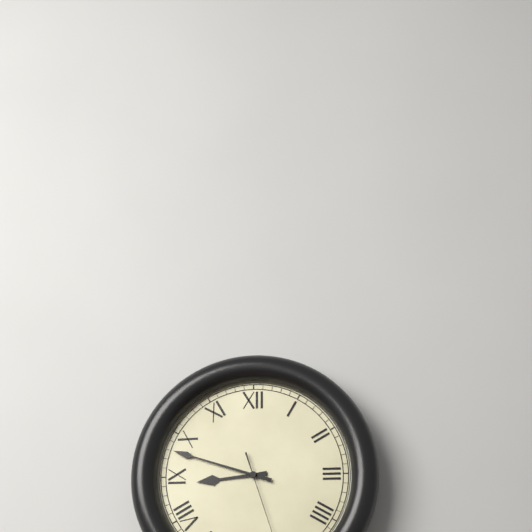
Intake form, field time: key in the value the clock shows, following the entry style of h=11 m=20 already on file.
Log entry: h=8 m=48
